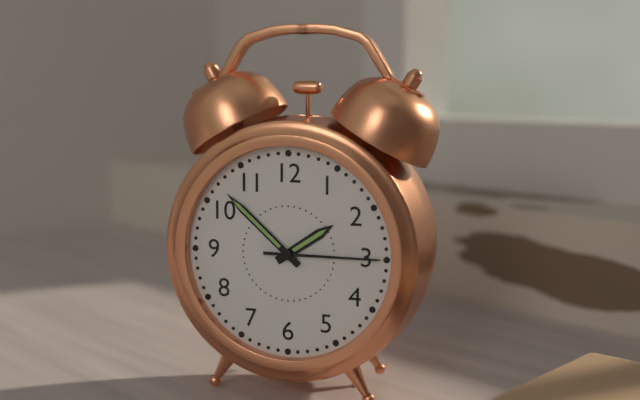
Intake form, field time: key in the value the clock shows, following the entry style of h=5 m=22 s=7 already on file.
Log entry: h=1 m=52 s=15
